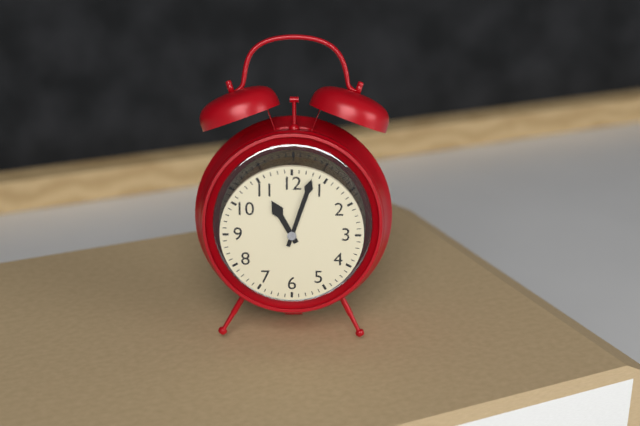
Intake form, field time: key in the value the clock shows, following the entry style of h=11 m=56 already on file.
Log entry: h=11 m=3
